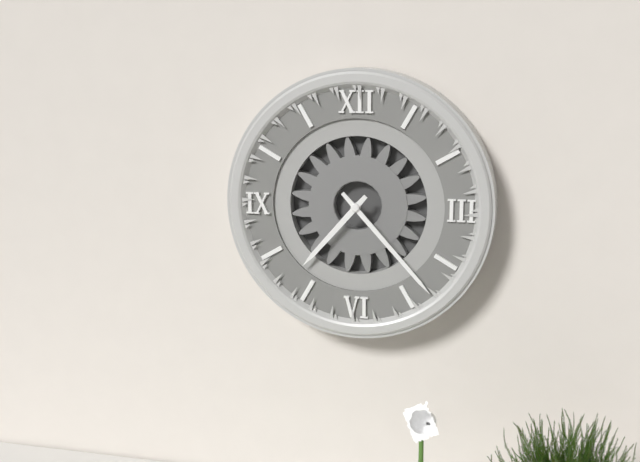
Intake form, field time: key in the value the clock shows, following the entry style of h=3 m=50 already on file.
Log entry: h=7 m=23
